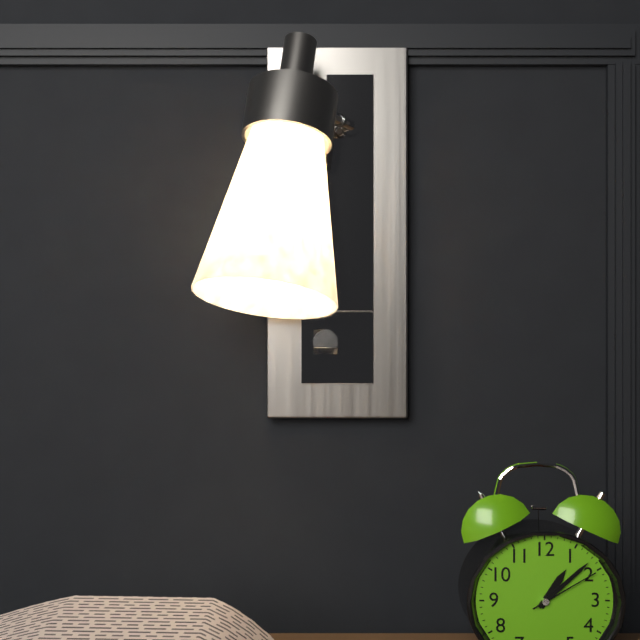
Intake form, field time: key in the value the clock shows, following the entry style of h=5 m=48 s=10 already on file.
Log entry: h=1 m=8 s=10
